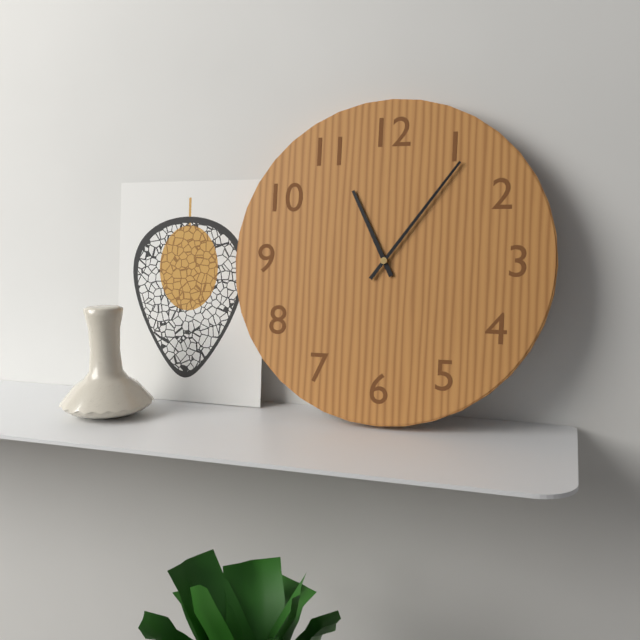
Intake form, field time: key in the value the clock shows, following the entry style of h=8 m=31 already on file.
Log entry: h=11 m=6
